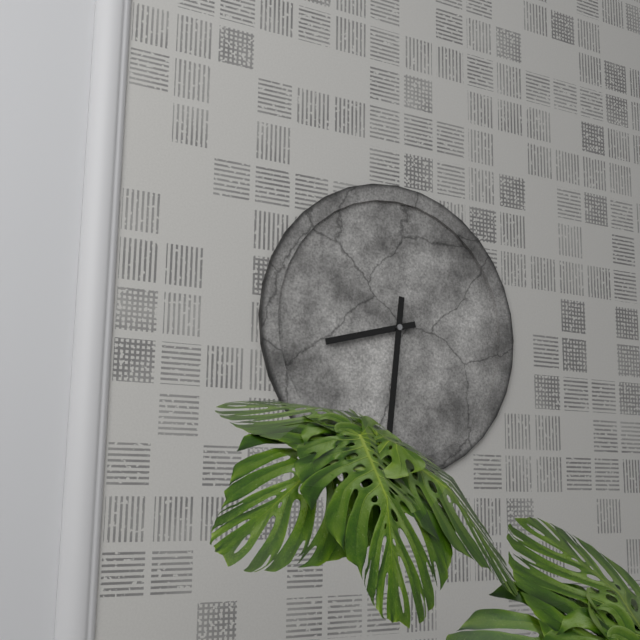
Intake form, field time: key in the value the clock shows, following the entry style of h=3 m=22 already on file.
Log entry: h=8 m=31
